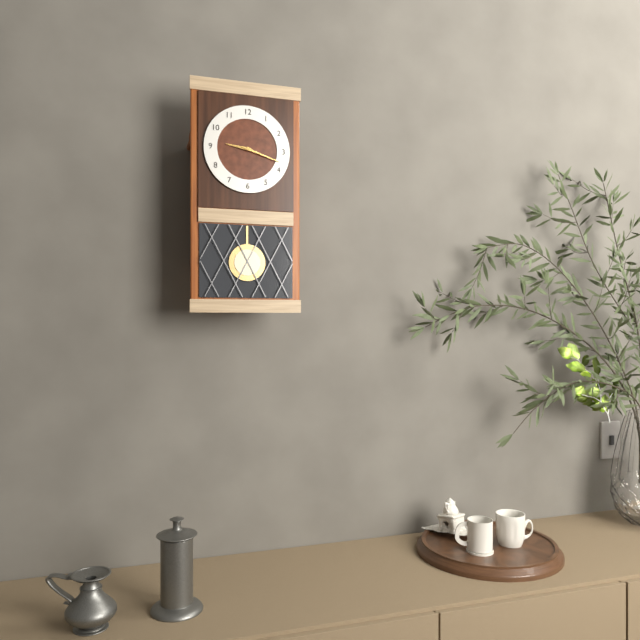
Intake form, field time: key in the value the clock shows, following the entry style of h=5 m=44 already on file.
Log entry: h=9 m=18
